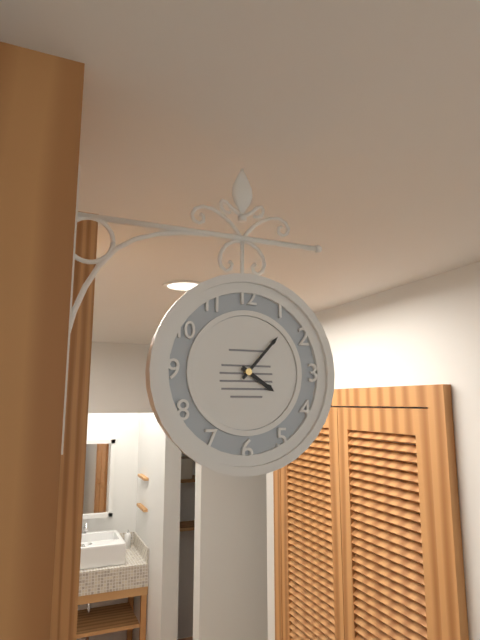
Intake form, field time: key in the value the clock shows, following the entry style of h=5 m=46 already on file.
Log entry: h=4 m=7
